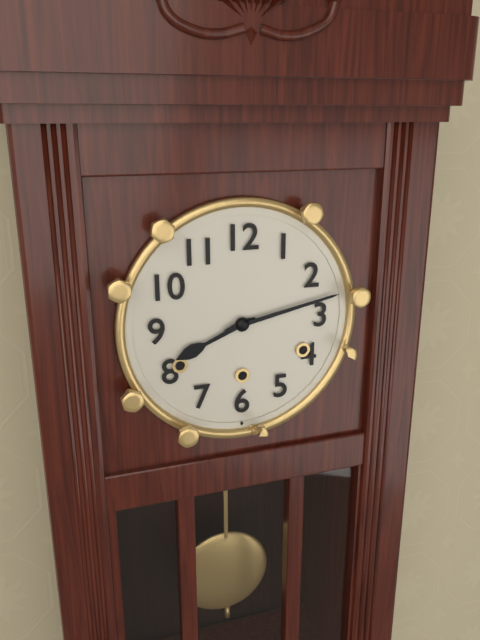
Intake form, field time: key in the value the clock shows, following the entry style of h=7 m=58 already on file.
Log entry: h=8 m=13
